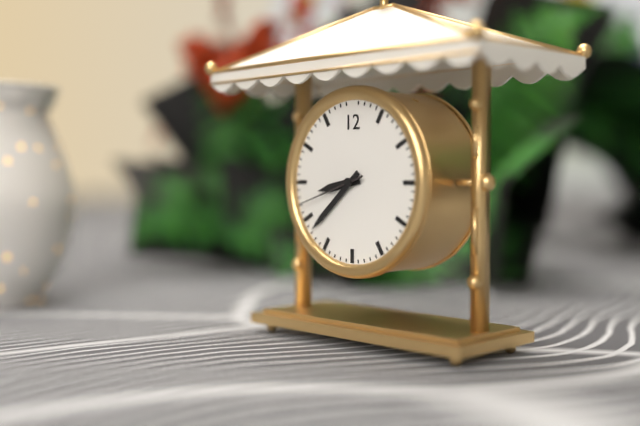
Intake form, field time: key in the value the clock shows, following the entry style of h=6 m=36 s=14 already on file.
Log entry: h=8 m=38 s=42
